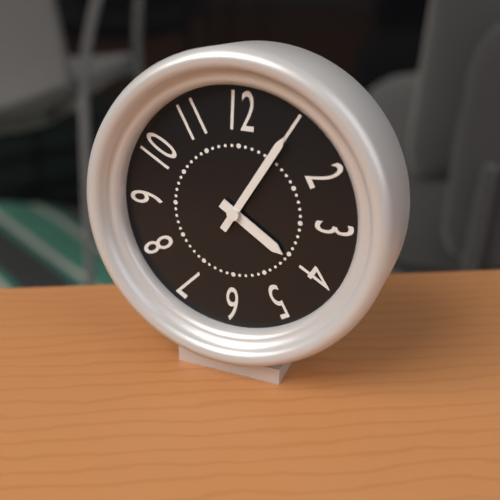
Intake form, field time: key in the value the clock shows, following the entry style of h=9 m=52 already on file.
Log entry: h=4 m=5
